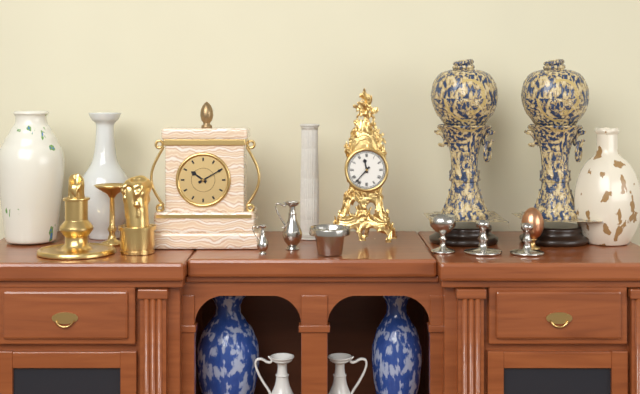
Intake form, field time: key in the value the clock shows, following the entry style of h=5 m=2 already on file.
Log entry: h=11 m=37
